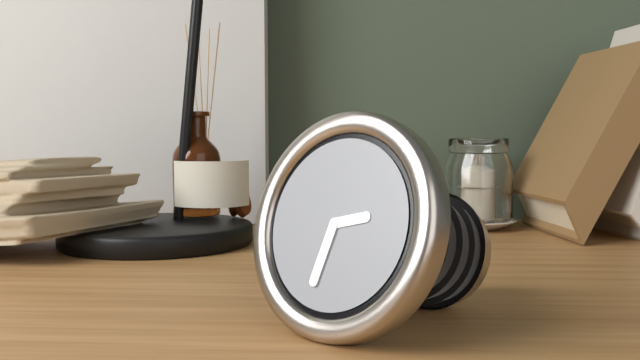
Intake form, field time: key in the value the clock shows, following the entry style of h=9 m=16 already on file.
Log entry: h=2 m=32
